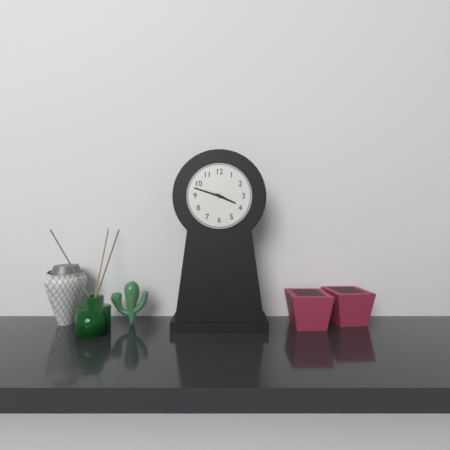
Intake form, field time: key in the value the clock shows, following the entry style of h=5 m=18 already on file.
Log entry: h=3 m=48
